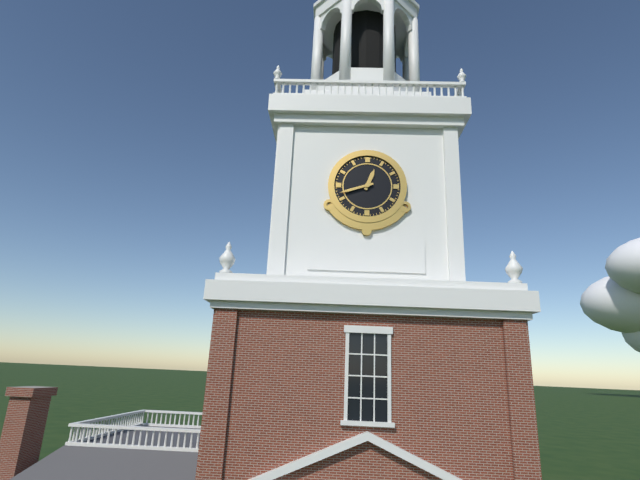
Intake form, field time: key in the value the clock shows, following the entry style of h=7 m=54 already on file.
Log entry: h=12 m=42
